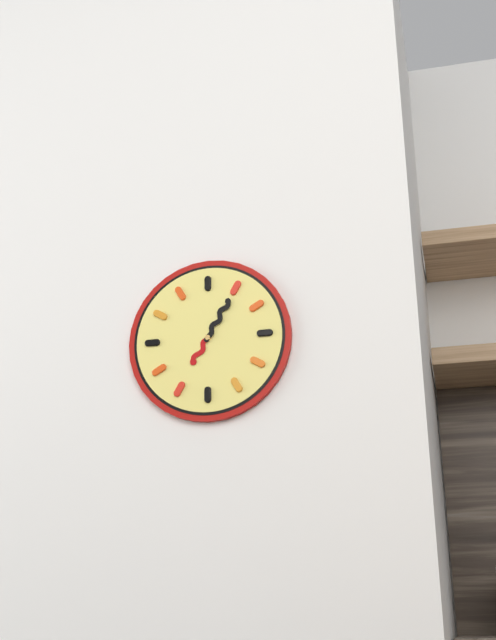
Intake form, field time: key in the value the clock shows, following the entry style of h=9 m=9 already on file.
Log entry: h=7 m=5
